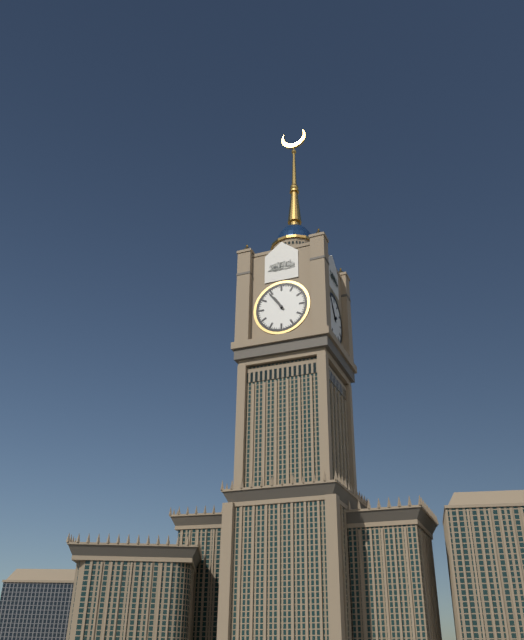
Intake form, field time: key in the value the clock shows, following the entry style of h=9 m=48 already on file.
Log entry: h=10 m=54
